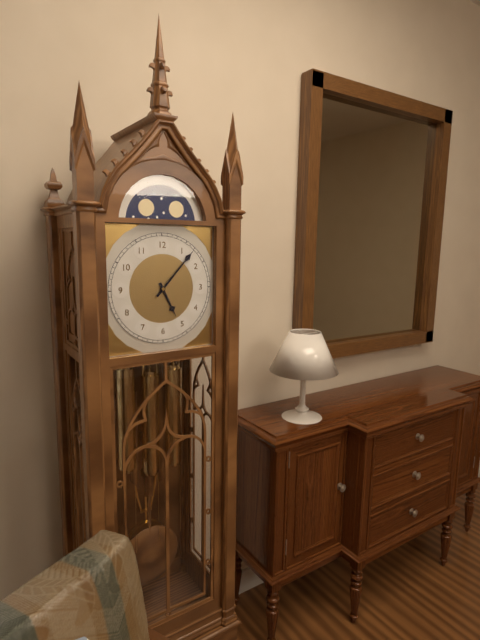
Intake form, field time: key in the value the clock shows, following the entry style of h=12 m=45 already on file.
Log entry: h=5 m=7
